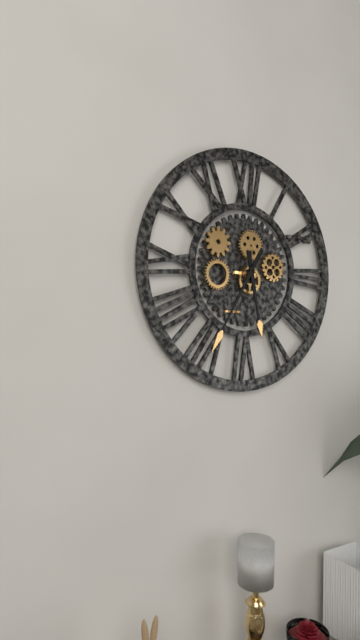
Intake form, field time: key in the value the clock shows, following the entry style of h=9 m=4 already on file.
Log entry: h=5 m=35
